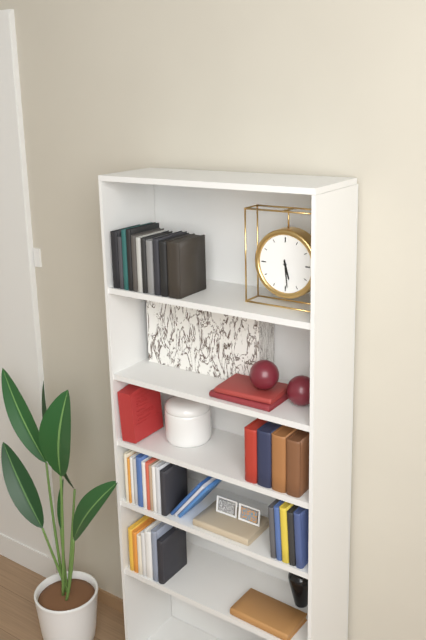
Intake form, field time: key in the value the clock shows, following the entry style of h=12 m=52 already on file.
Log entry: h=5 m=29
